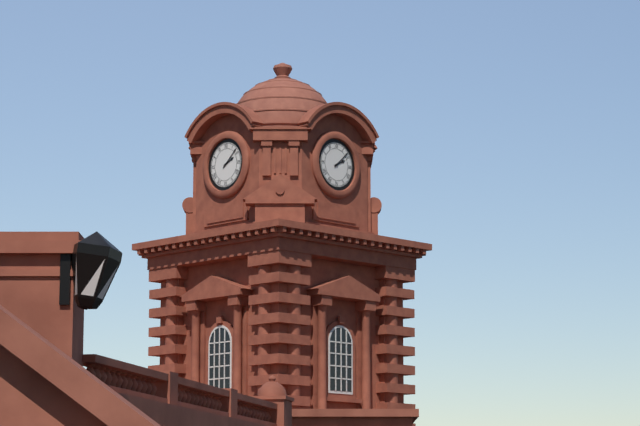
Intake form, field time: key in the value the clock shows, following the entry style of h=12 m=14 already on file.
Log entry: h=2 m=8
